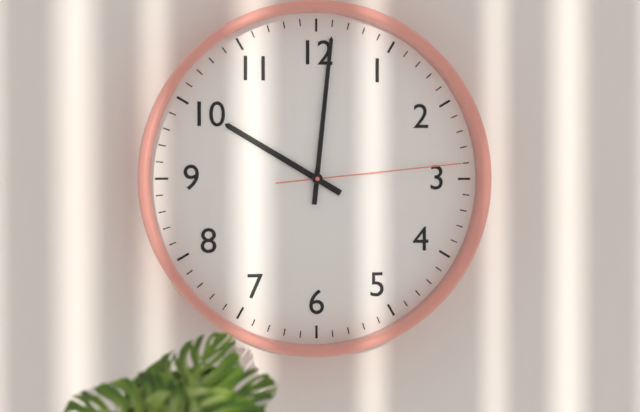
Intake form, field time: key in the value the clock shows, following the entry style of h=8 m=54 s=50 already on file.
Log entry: h=10 m=1 s=14
